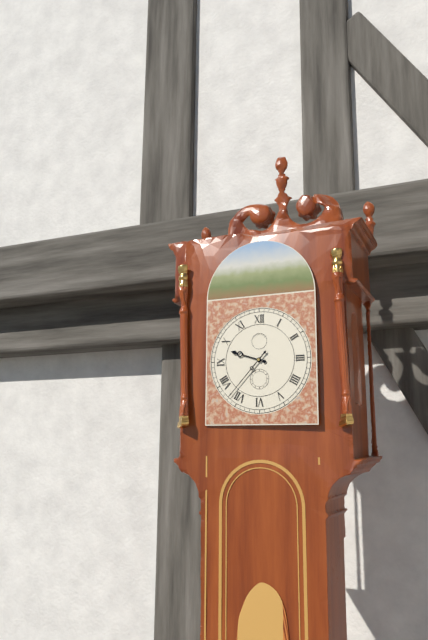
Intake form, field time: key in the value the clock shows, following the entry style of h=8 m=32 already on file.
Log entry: h=9 m=37
